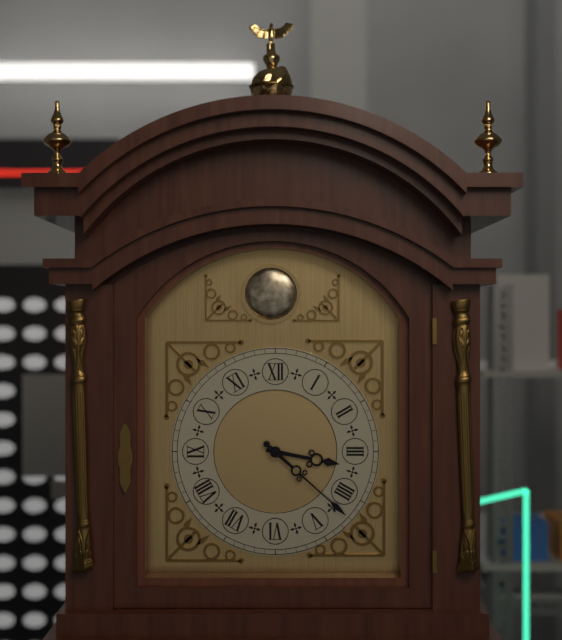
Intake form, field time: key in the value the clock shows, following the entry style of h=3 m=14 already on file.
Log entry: h=3 m=22
